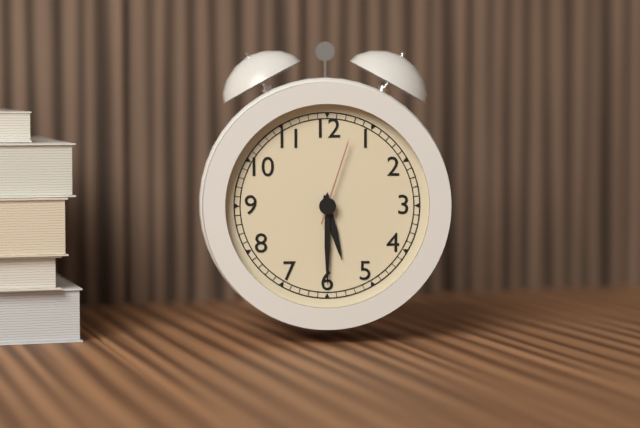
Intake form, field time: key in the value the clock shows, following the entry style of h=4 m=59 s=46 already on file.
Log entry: h=5 m=30 s=3
